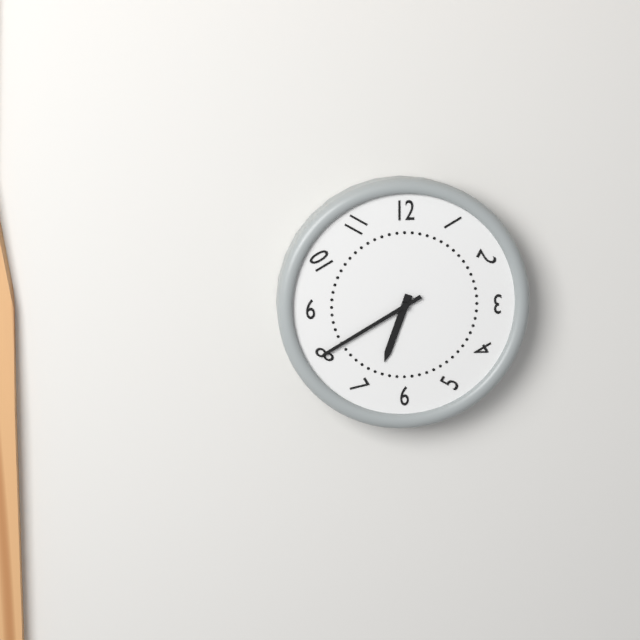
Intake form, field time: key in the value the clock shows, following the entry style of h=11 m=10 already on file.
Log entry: h=6 m=40
